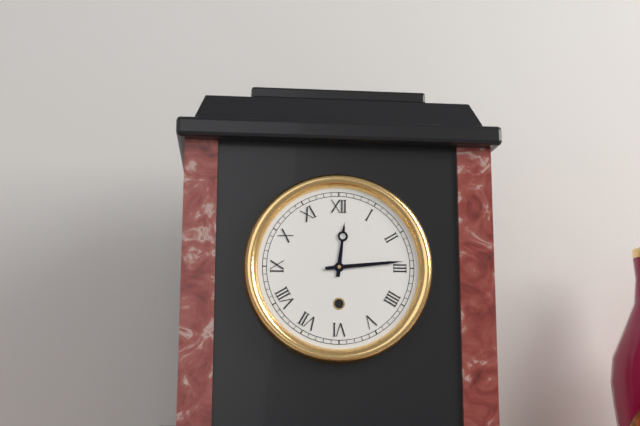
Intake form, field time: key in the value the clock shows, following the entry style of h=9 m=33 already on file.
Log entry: h=12 m=14
